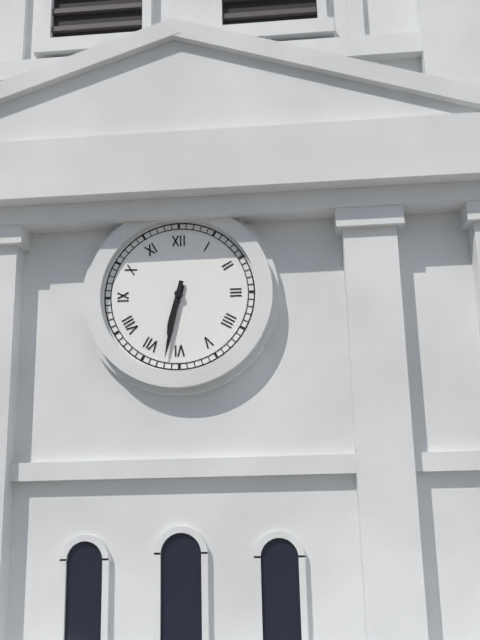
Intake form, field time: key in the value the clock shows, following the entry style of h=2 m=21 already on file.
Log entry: h=6 m=32
